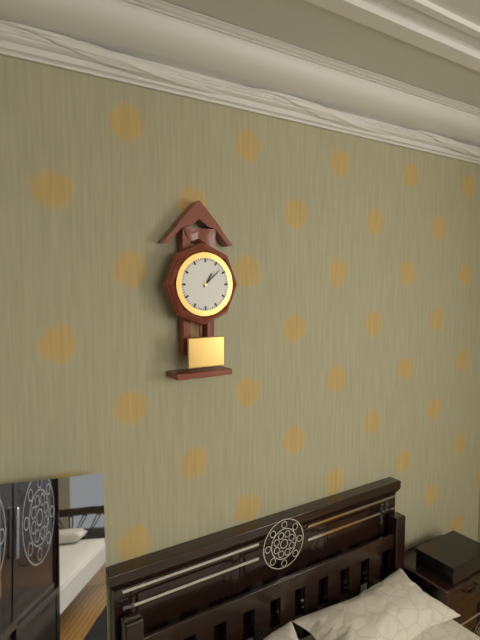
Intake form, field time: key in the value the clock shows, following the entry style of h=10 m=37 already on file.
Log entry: h=1 m=8
